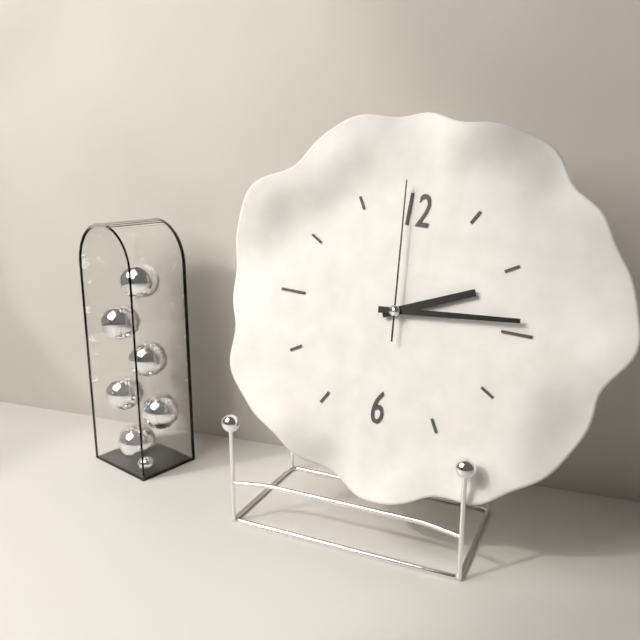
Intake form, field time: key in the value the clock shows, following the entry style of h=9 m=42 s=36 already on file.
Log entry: h=2 m=14 s=59
